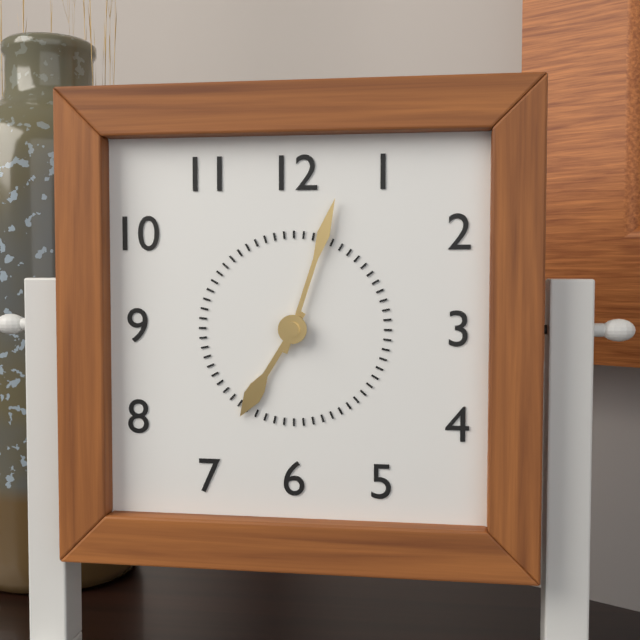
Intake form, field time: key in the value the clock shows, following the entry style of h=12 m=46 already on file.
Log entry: h=7 m=3
